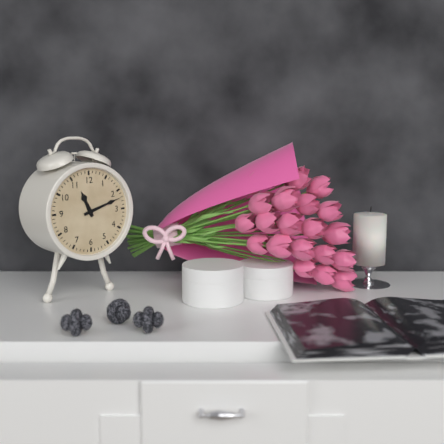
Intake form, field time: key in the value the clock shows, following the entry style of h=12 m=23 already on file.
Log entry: h=11 m=12
